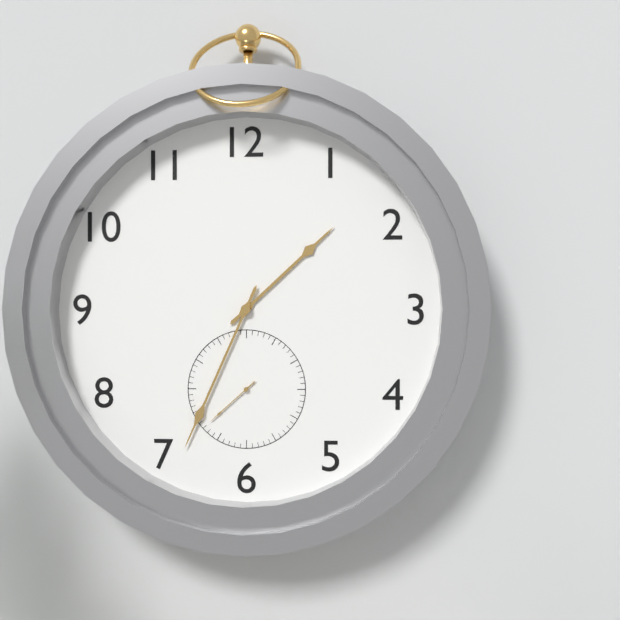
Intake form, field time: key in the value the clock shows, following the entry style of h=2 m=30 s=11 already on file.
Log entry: h=1 m=34 s=38
